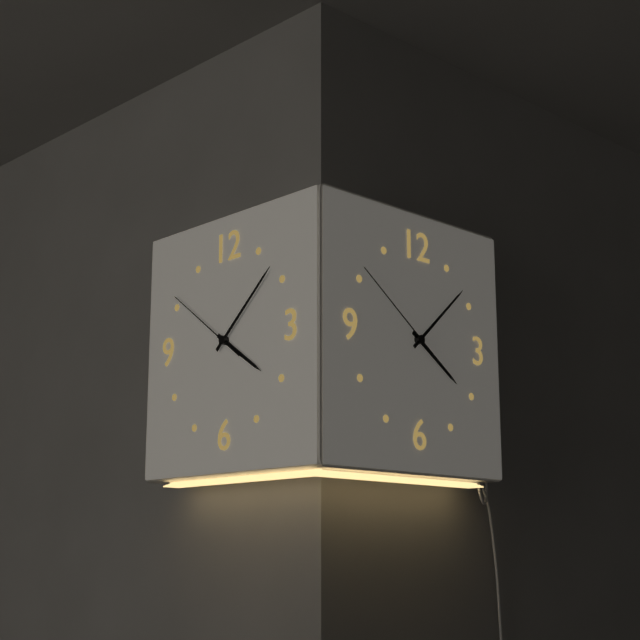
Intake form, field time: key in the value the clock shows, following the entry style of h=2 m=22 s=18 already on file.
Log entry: h=4 m=8 s=51
